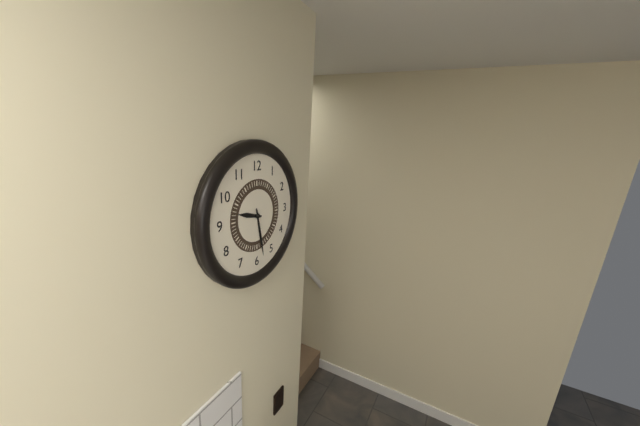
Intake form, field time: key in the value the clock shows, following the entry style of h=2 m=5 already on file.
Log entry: h=9 m=28
